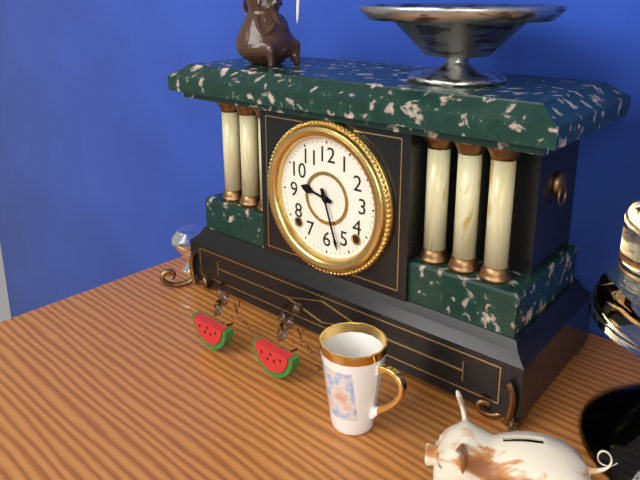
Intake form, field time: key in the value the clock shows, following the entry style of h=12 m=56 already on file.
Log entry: h=9 m=27
